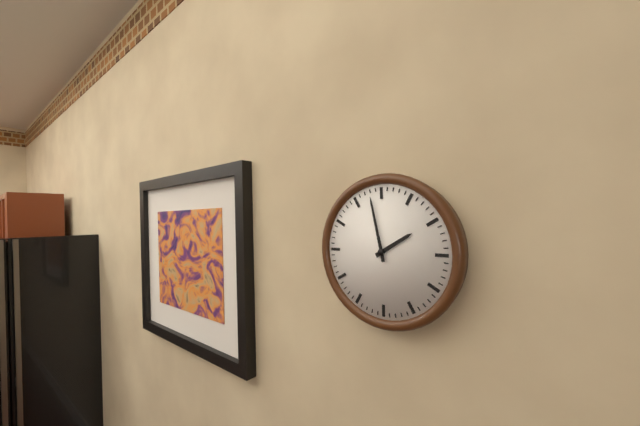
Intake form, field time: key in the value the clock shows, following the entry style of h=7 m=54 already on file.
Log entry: h=1 m=58
